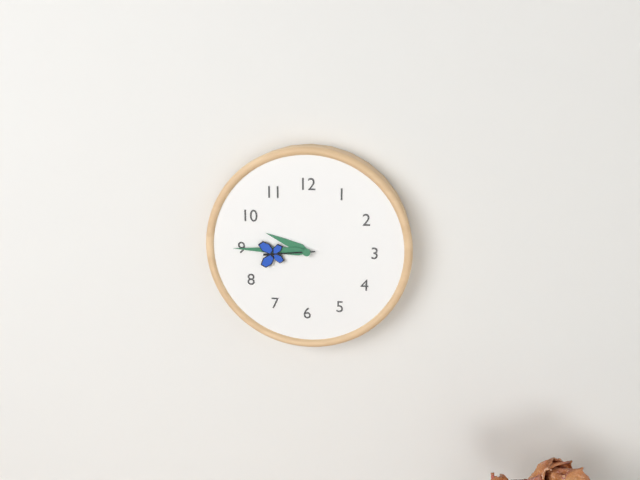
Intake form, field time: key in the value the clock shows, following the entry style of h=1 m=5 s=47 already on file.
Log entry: h=9 m=45 s=44
